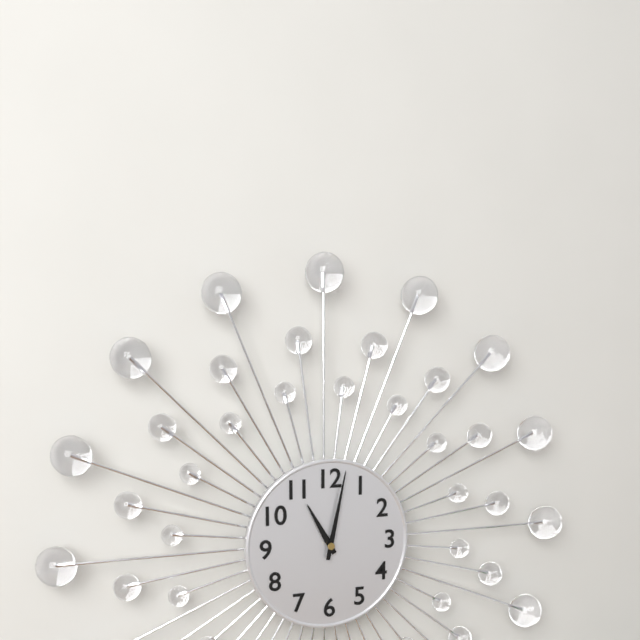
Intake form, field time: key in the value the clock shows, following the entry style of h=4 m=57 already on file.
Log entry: h=11 m=2
